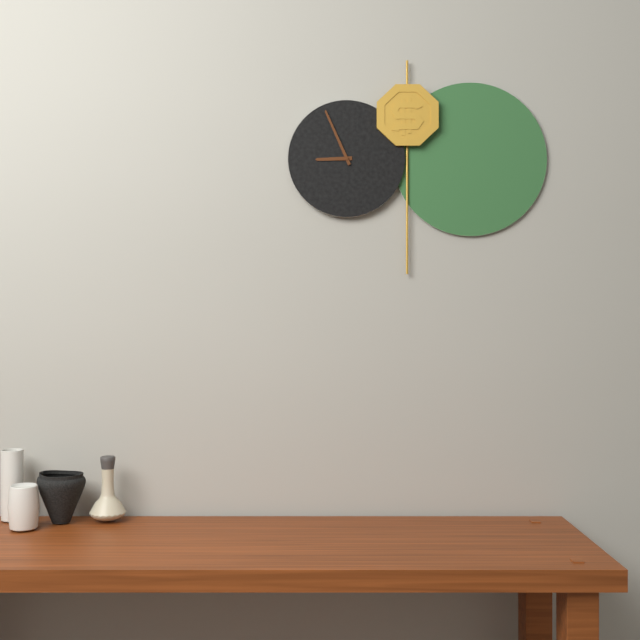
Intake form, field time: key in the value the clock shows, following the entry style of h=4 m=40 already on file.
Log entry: h=8 m=56
